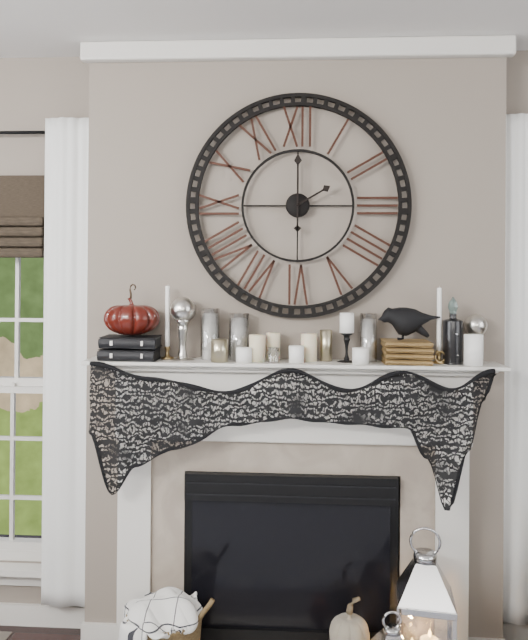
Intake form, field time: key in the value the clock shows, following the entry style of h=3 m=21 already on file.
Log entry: h=2 m=0
